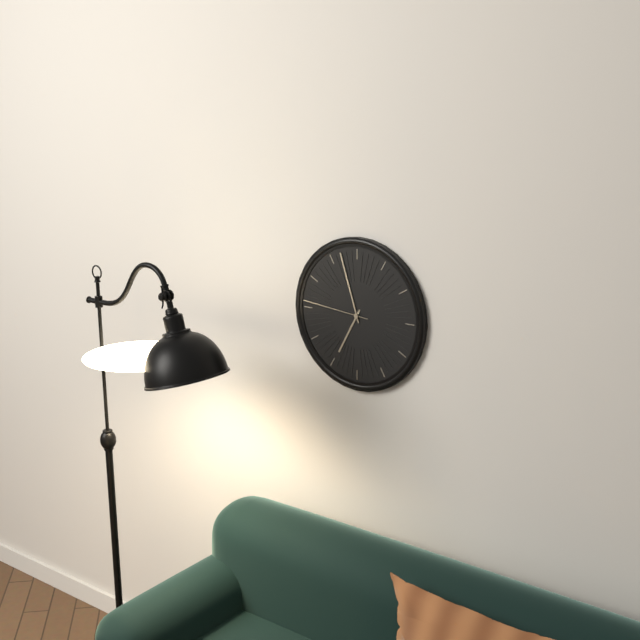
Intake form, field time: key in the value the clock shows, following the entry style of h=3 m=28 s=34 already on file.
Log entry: h=6 m=57 s=46
